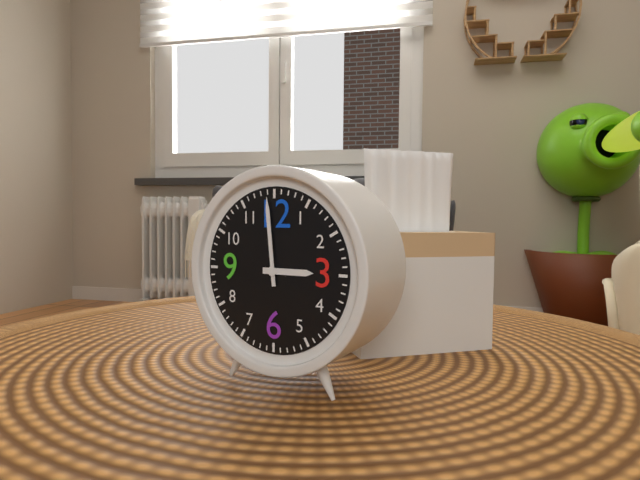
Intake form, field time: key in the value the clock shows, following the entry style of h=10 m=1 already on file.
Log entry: h=2 m=59
